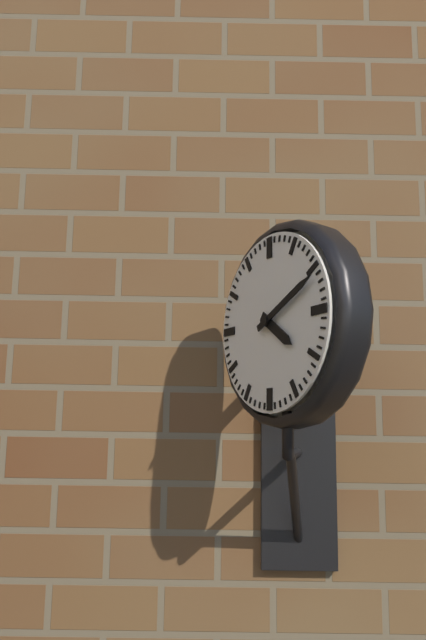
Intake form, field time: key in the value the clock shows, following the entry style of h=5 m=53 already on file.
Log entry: h=4 m=11
